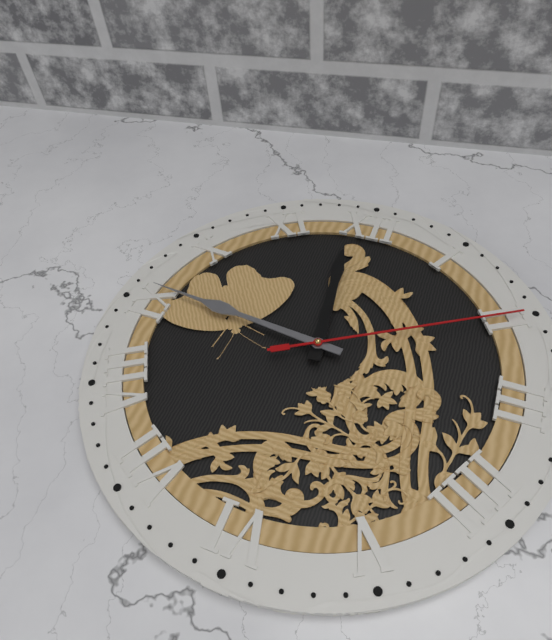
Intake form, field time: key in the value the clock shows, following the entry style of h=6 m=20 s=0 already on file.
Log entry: h=11 m=46 s=10
